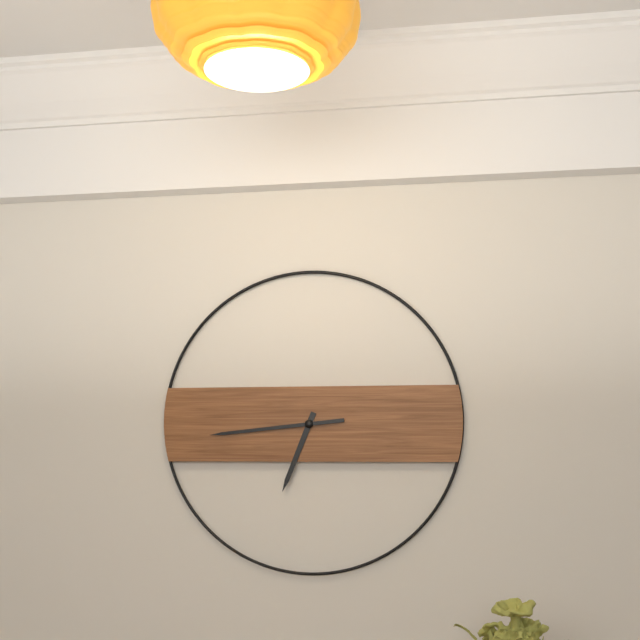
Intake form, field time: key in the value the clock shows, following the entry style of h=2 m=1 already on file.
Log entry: h=6 m=44
